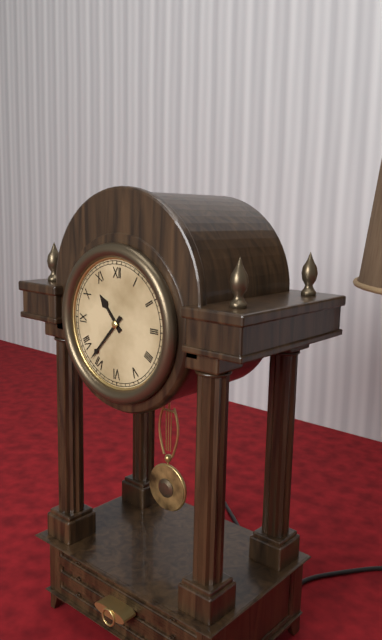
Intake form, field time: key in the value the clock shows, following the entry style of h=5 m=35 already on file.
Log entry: h=10 m=37
